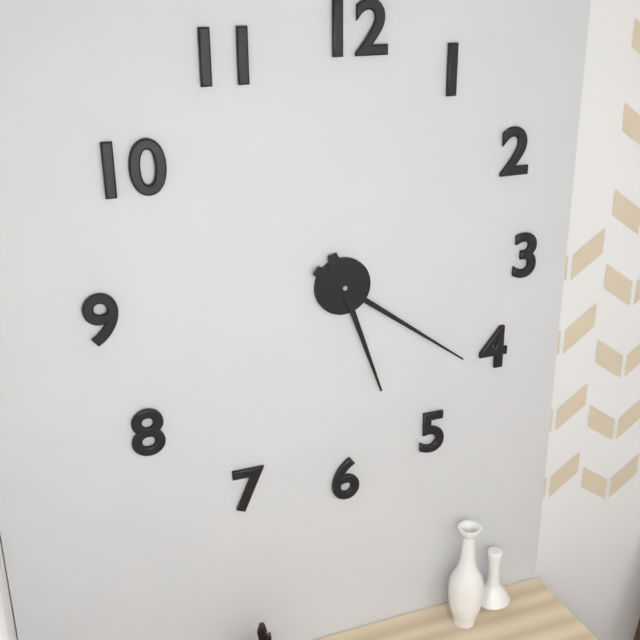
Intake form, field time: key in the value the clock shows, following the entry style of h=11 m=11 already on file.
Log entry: h=5 m=21
